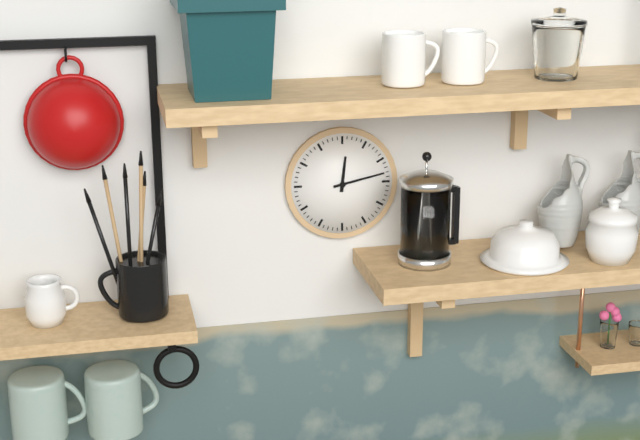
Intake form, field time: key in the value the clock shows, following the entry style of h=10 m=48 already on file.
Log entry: h=12 m=13
